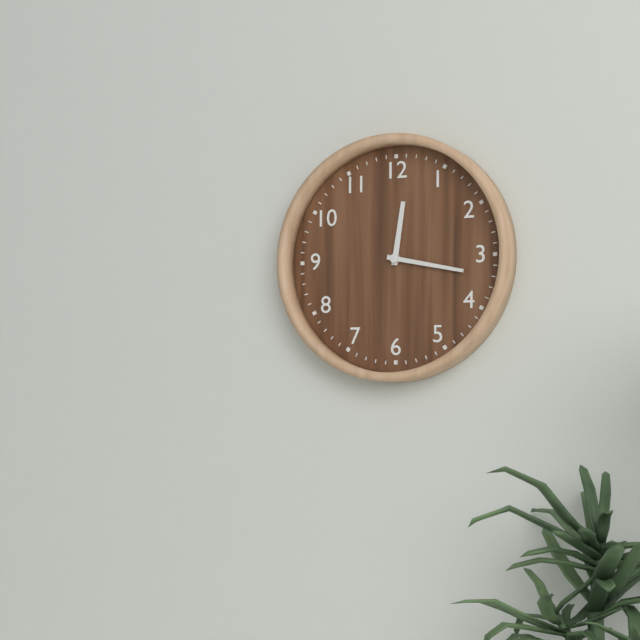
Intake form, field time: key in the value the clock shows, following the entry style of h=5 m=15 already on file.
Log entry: h=12 m=17
